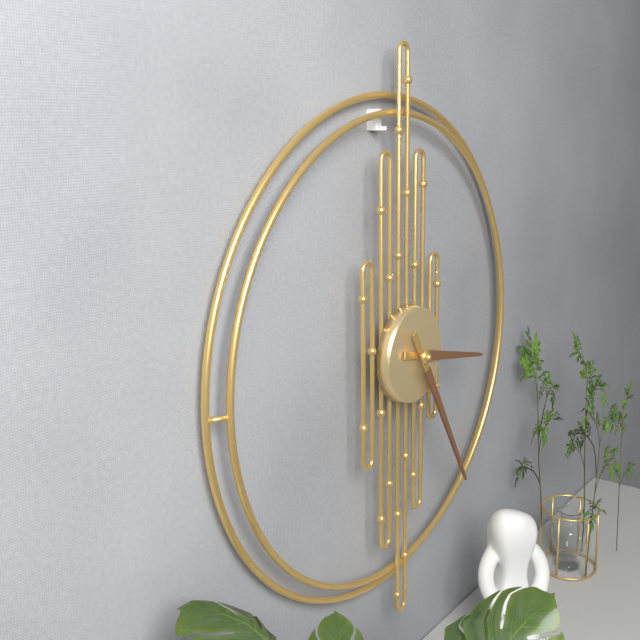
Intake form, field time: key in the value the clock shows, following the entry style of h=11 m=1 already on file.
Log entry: h=3 m=25
